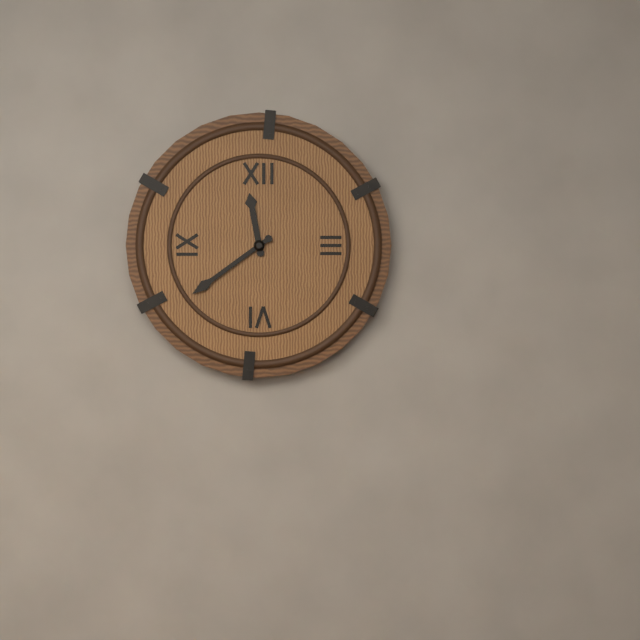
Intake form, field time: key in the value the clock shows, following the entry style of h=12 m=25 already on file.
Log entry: h=11 m=39
